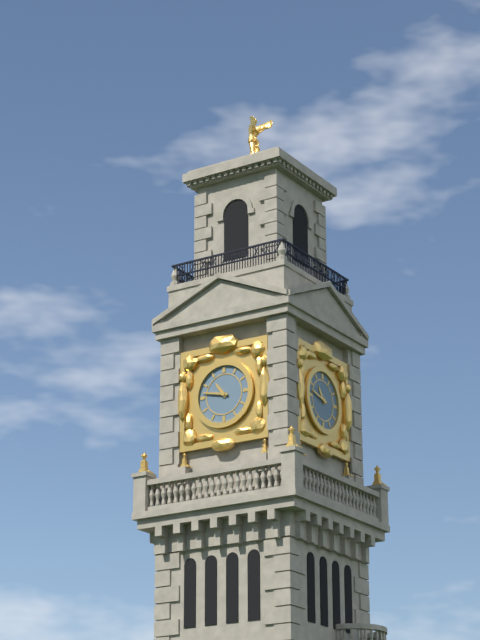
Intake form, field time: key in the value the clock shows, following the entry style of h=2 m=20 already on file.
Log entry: h=10 m=47
